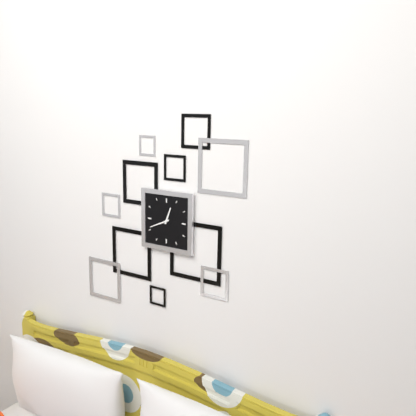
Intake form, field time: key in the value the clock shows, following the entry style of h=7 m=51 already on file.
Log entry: h=12 m=41
